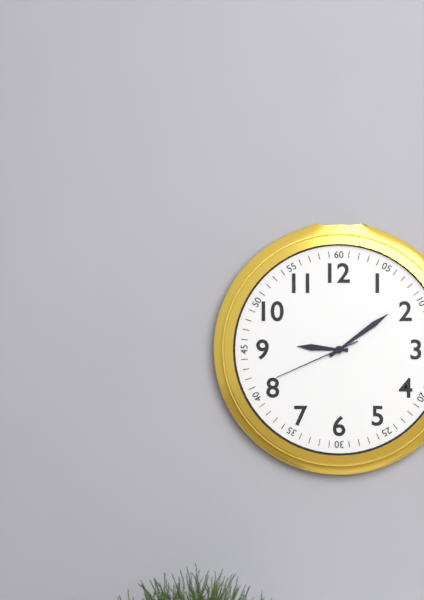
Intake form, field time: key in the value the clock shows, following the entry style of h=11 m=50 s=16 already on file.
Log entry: h=9 m=9 s=41
